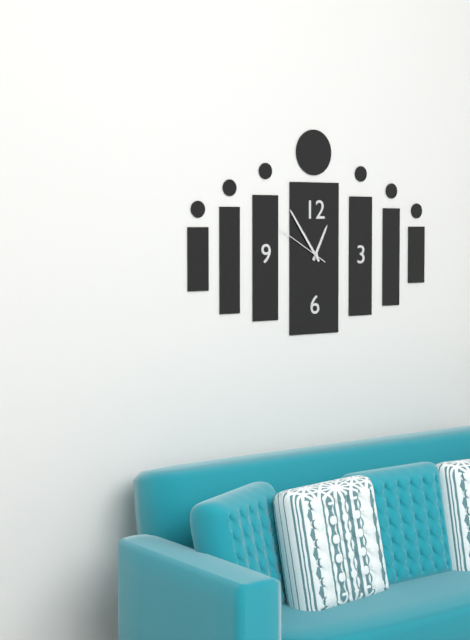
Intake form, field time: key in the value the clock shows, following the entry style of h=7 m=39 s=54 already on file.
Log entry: h=12 m=54 s=50
